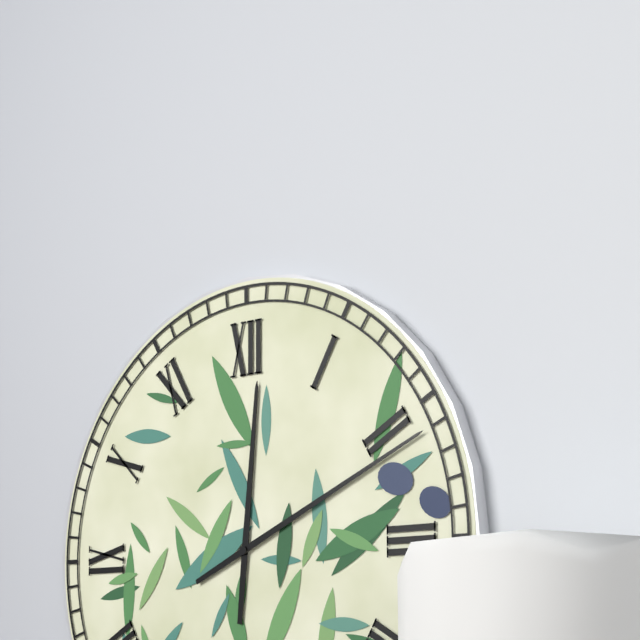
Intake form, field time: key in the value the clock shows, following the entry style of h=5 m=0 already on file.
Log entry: h=12 m=11
